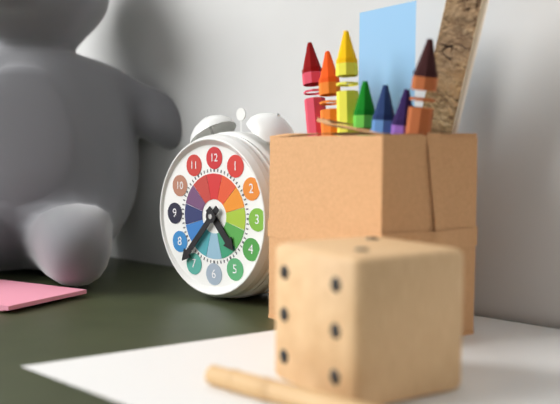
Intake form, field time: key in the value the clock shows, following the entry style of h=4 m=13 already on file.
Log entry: h=4 m=37
